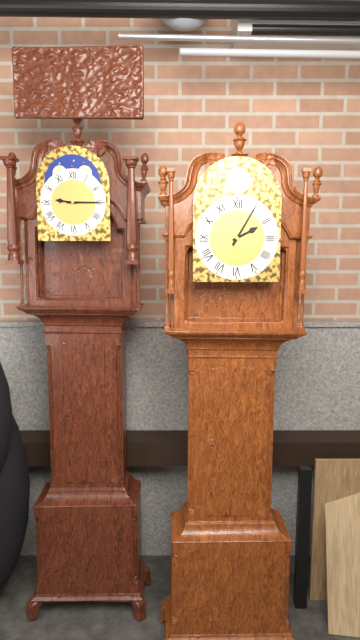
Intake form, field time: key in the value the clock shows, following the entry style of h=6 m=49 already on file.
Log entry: h=2 m=5
